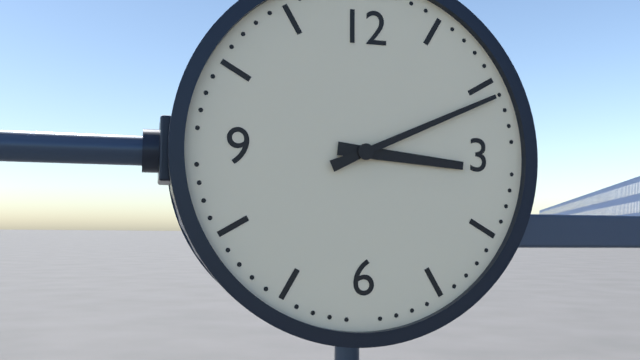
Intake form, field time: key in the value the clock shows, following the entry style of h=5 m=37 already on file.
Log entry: h=3 m=11
